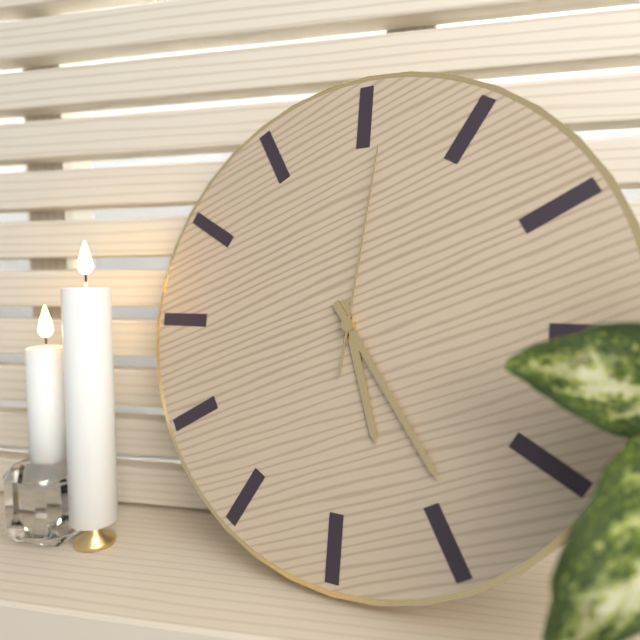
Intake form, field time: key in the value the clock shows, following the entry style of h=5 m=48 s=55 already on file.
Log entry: h=5 m=24 s=1
